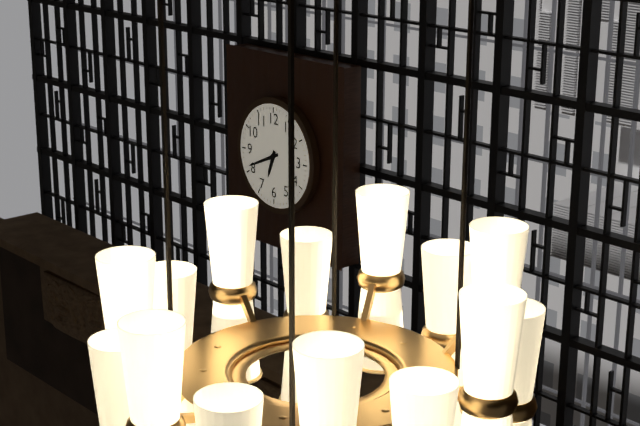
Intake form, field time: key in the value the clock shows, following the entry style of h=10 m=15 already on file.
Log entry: h=6 m=41
